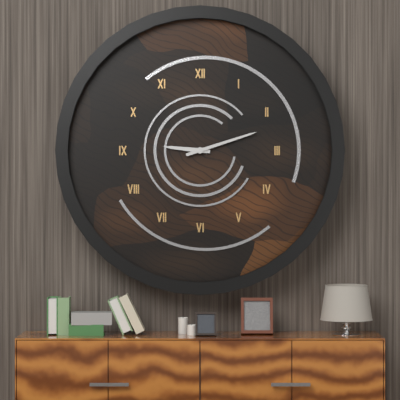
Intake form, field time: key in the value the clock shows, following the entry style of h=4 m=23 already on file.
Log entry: h=9 m=12
